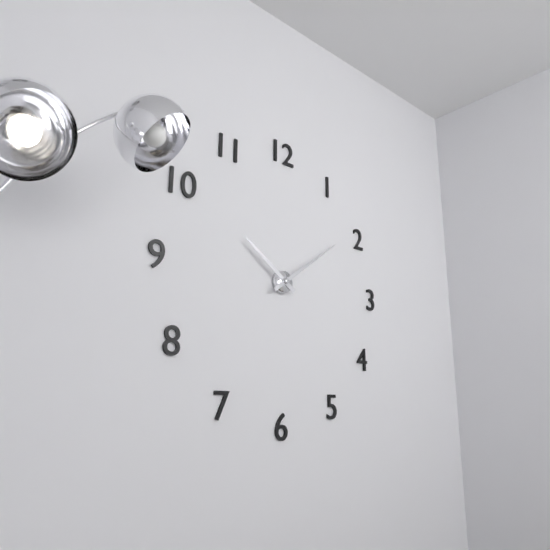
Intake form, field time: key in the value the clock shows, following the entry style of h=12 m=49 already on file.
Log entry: h=10 m=9
